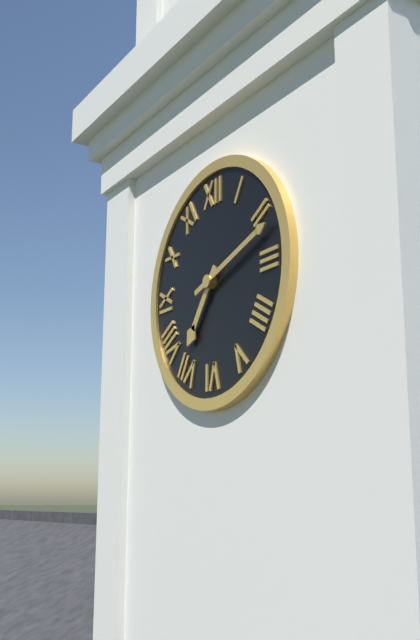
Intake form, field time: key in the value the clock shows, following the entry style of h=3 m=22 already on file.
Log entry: h=7 m=12
